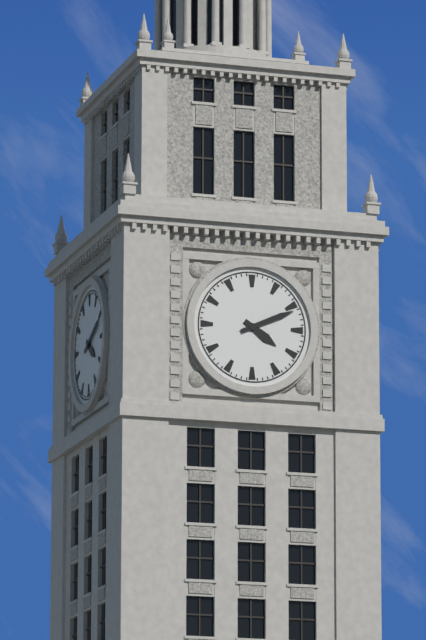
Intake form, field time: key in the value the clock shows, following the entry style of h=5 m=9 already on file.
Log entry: h=4 m=11
